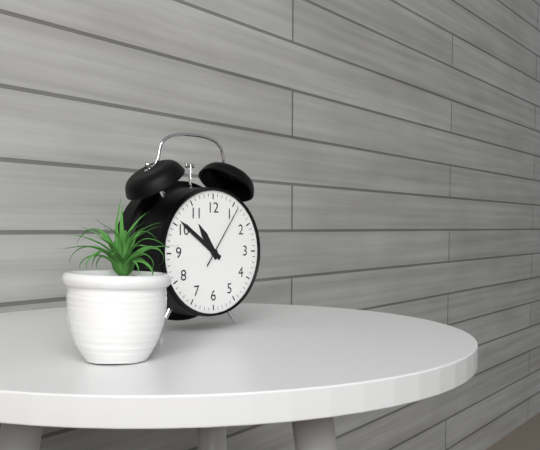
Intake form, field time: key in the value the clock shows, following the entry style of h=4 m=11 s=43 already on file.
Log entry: h=10 m=51 s=6
